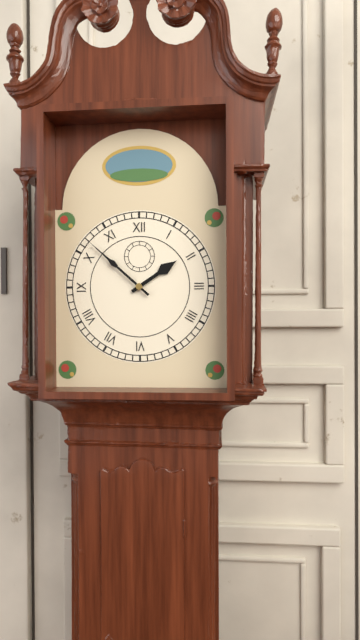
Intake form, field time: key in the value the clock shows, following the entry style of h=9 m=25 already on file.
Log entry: h=1 m=52
